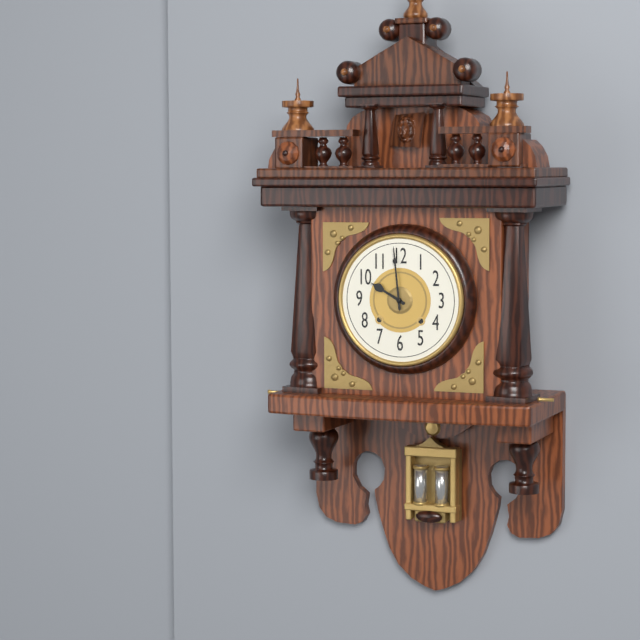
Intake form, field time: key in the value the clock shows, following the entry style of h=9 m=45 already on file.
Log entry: h=9 m=59
